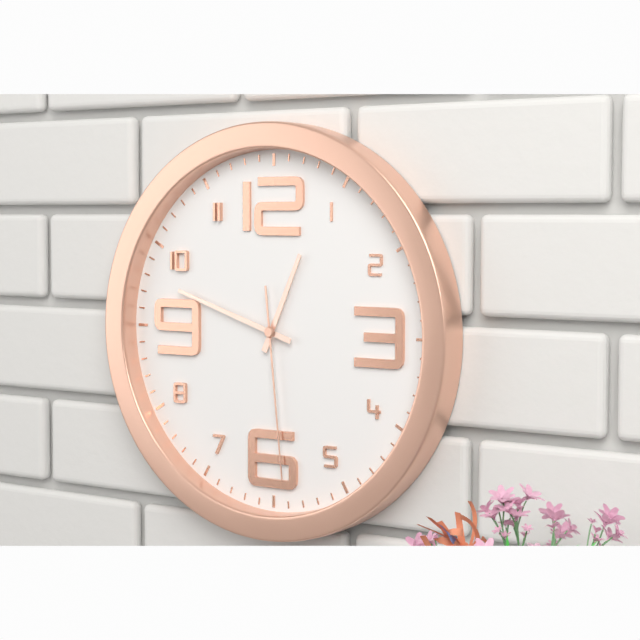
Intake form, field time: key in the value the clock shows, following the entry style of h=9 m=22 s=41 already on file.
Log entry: h=12 m=48 s=29
